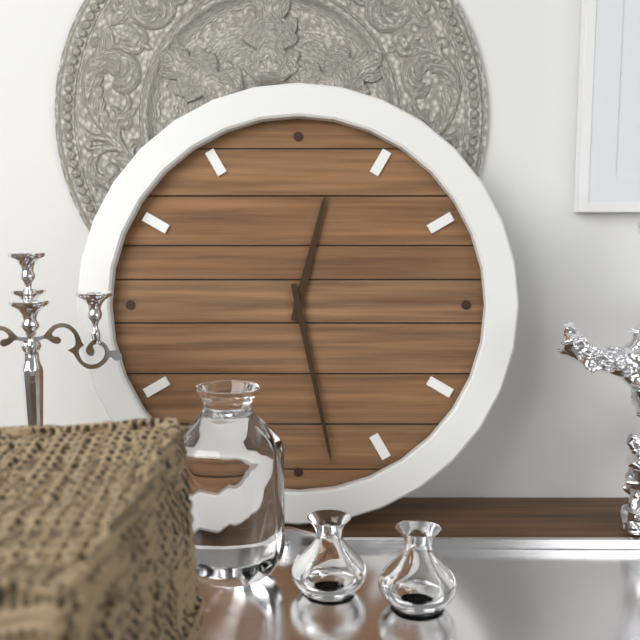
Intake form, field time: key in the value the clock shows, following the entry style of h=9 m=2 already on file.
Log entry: h=12 m=28
